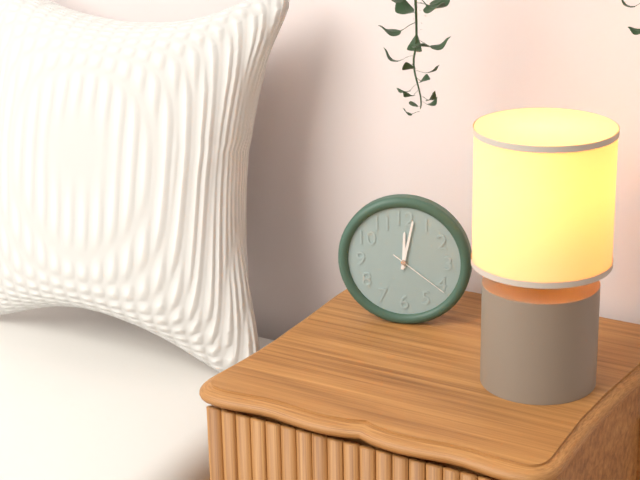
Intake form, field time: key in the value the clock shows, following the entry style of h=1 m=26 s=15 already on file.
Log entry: h=12 m=2 s=21
